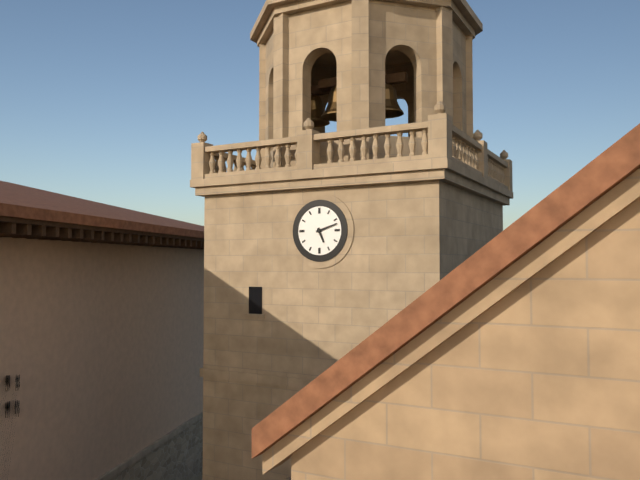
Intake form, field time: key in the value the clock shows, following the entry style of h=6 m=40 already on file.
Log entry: h=5 m=12
